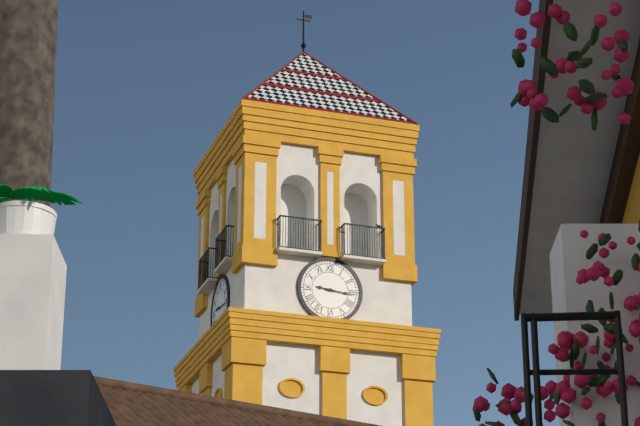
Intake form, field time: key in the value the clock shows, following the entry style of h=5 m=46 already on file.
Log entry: h=9 m=16
